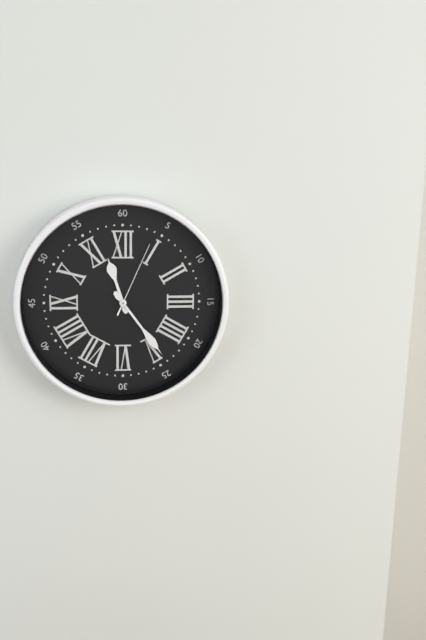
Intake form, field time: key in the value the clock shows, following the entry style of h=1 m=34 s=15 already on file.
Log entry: h=11 m=24 s=4
